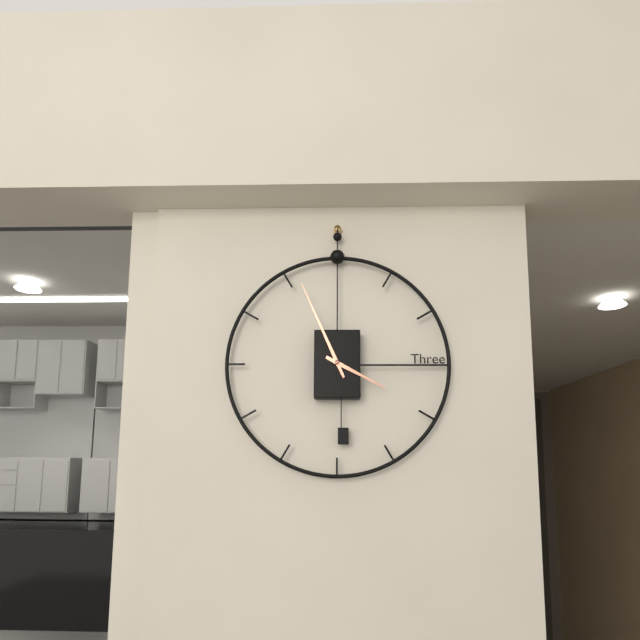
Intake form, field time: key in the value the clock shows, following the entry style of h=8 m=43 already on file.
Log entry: h=3 m=56
